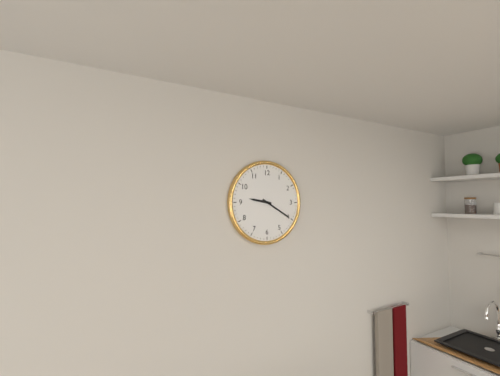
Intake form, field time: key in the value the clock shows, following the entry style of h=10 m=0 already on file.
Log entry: h=9 m=20
